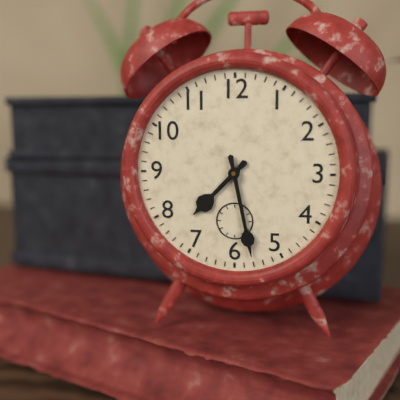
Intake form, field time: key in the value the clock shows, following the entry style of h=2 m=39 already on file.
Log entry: h=7 m=28
